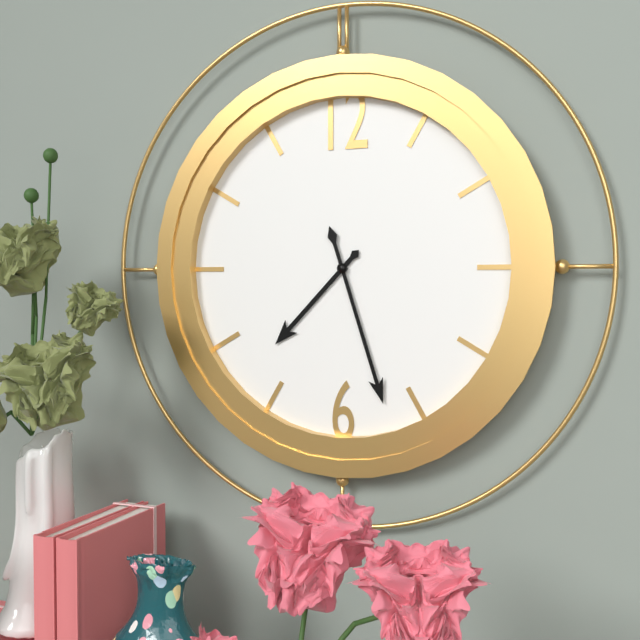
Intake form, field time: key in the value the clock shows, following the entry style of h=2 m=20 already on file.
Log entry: h=7 m=27
